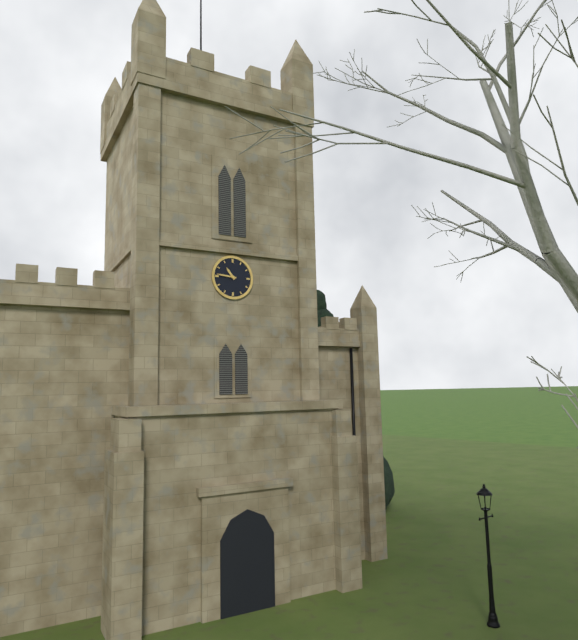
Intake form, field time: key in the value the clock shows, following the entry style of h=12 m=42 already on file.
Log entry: h=10 m=46
